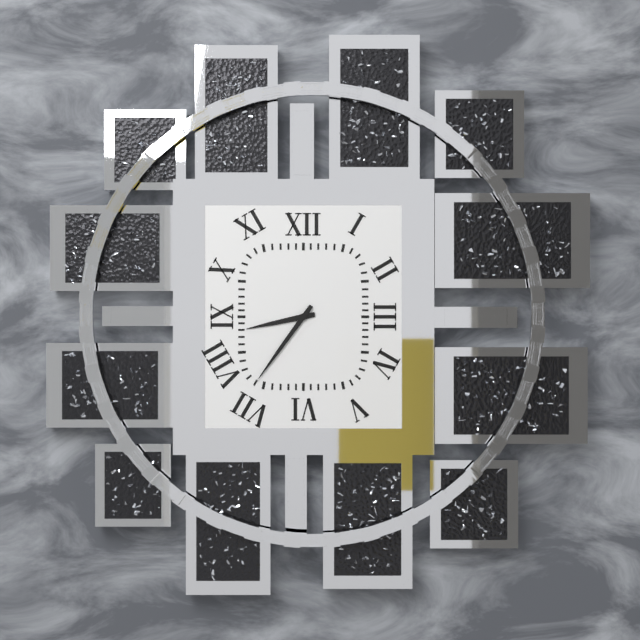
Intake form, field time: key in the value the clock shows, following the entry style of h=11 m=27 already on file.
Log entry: h=8 m=36
